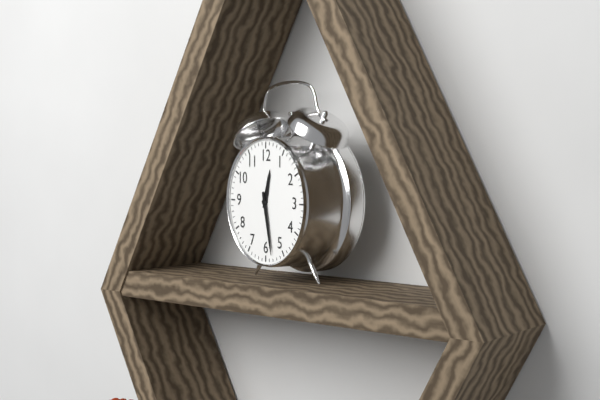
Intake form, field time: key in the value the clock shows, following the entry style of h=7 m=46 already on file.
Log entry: h=12 m=28
